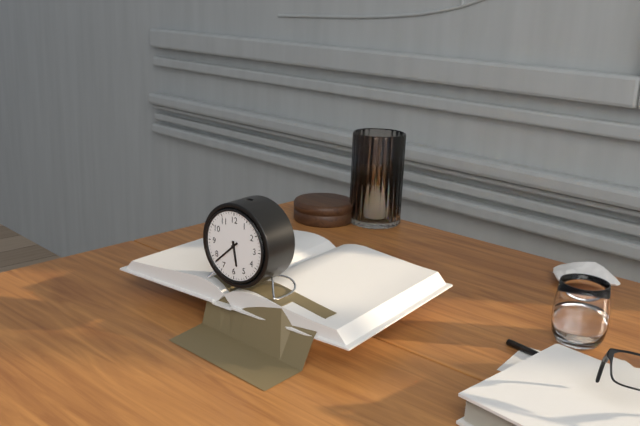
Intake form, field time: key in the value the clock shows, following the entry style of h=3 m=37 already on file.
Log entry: h=5 m=38
